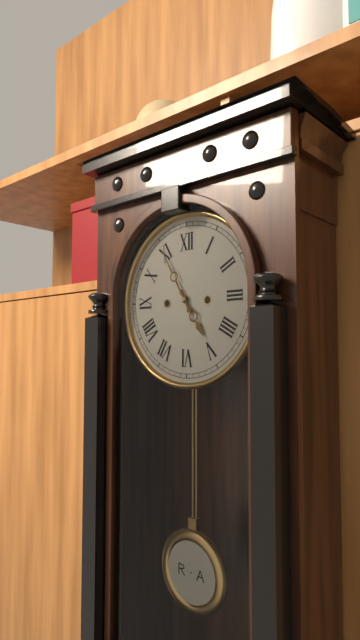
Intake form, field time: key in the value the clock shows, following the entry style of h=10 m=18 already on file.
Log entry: h=4 m=55
